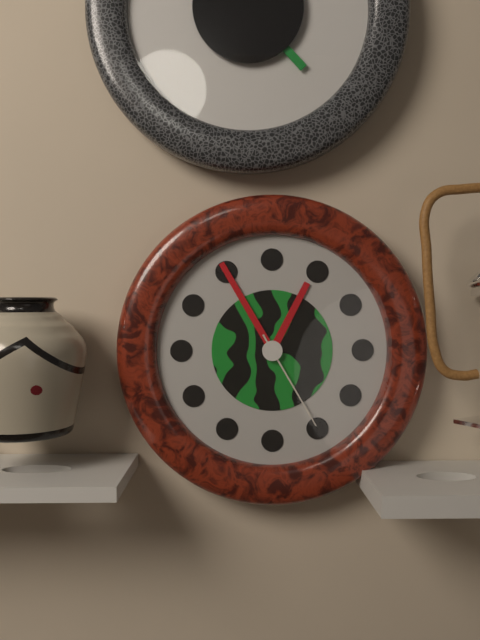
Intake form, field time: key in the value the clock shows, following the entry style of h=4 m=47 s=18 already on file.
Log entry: h=12 m=55 s=25
